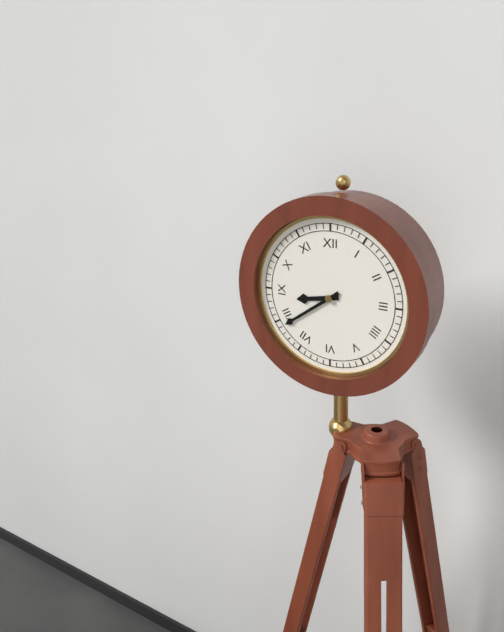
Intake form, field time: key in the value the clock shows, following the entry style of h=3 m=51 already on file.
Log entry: h=8 m=39
